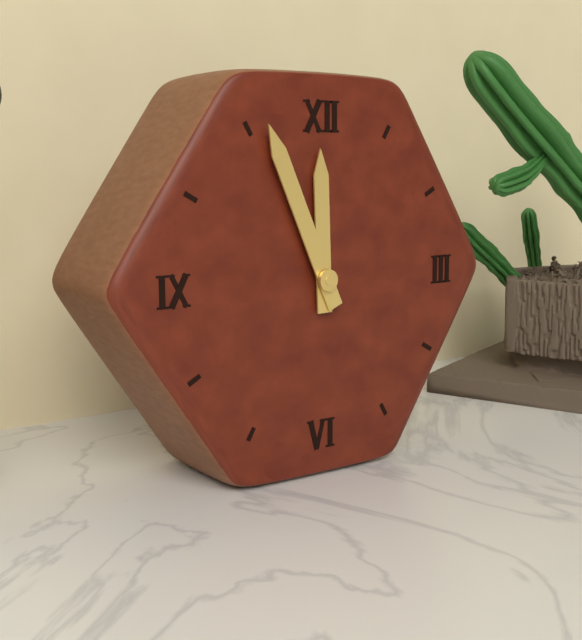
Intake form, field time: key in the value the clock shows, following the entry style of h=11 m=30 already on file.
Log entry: h=11 m=56
